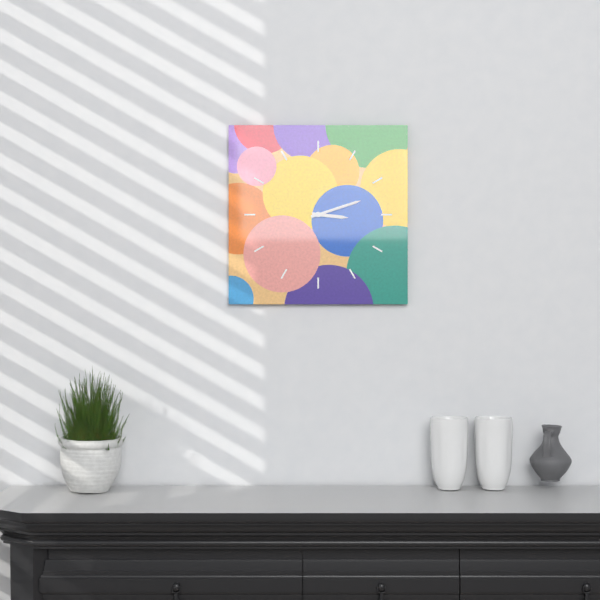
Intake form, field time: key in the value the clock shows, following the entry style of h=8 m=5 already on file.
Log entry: h=3 m=12
